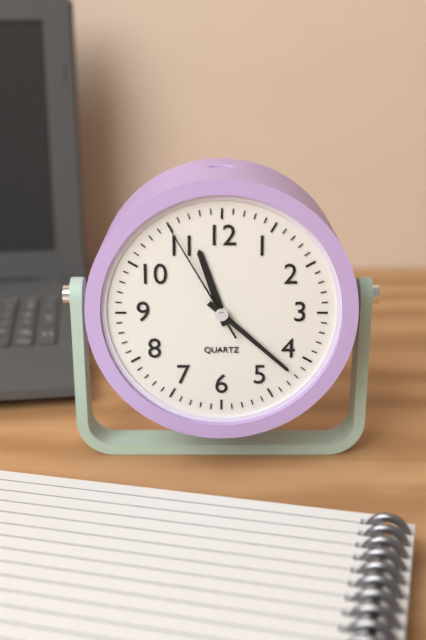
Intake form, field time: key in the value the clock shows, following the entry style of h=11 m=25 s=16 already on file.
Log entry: h=11 m=22 s=55
